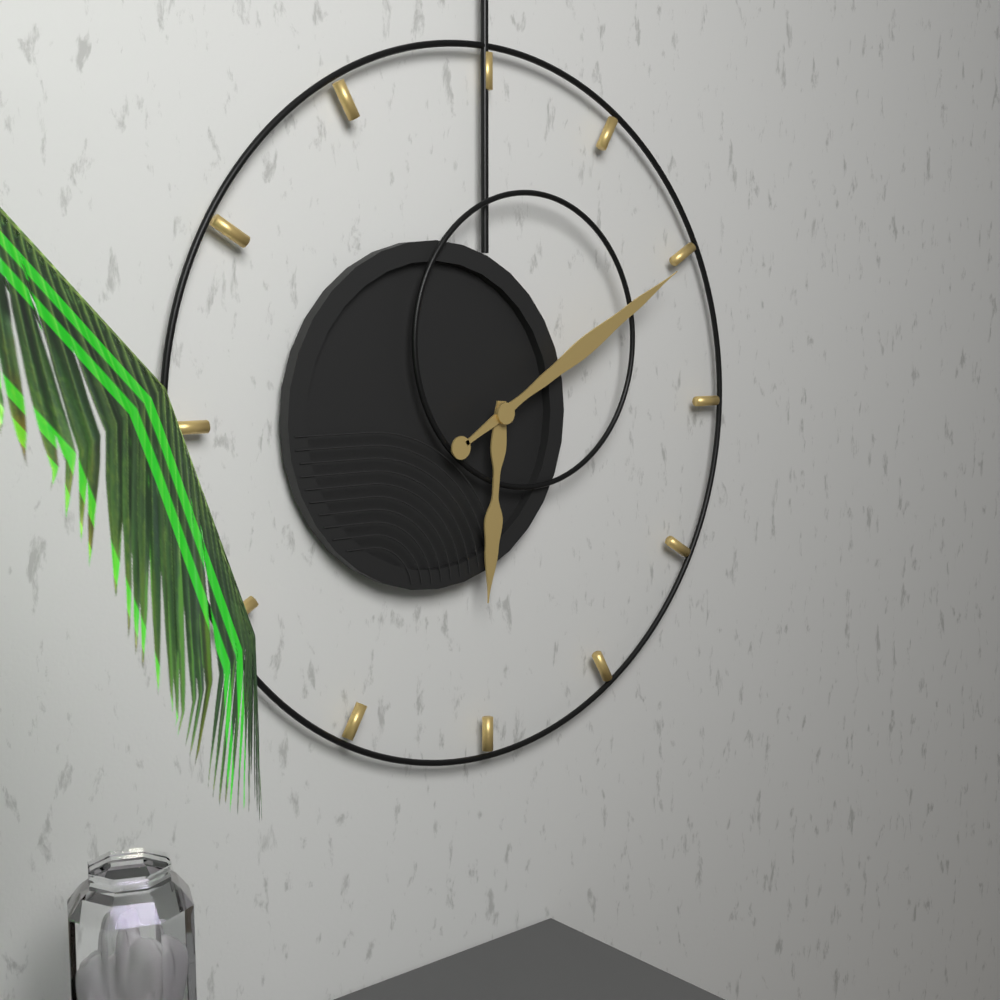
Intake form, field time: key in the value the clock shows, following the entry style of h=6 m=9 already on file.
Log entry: h=6 m=10
